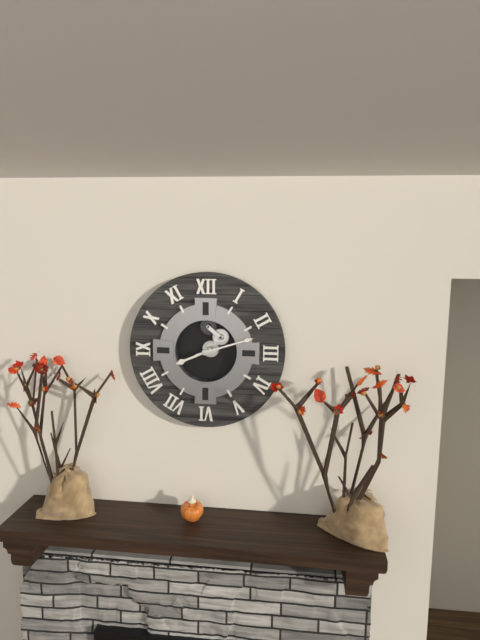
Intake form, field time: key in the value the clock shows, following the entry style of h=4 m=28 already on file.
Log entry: h=8 m=12
